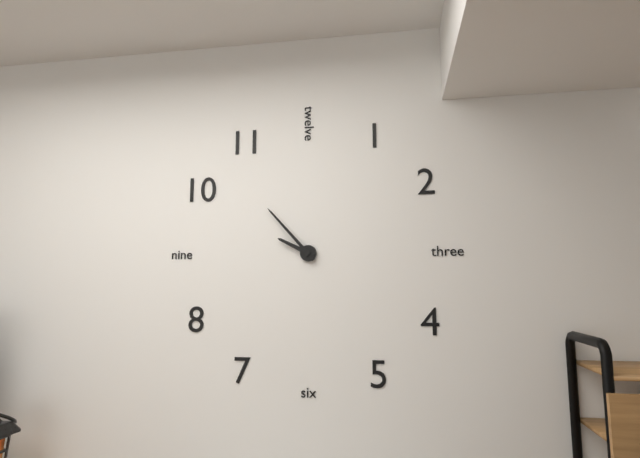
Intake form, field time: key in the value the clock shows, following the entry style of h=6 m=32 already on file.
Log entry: h=9 m=53
